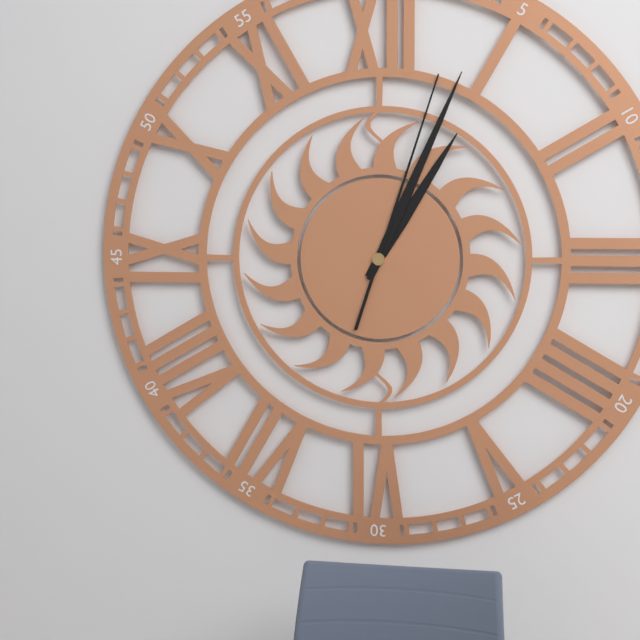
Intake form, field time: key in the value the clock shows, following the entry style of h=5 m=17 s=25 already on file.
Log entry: h=1 m=4 s=3
